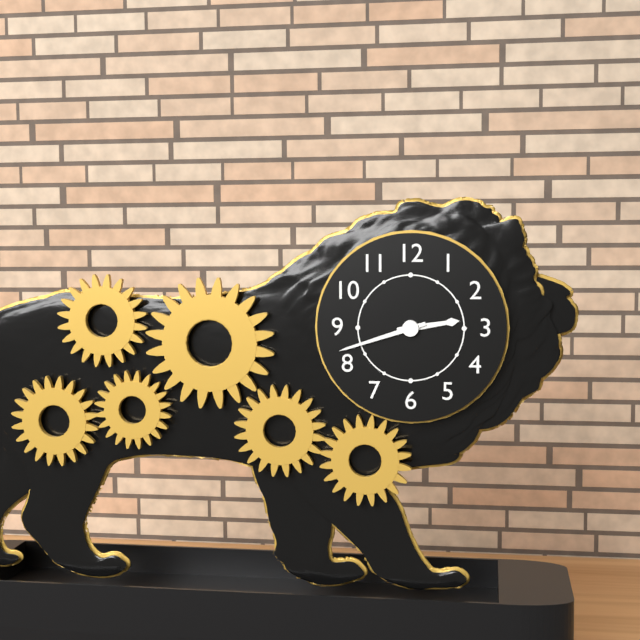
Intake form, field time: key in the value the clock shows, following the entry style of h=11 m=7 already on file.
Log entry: h=2 m=42
